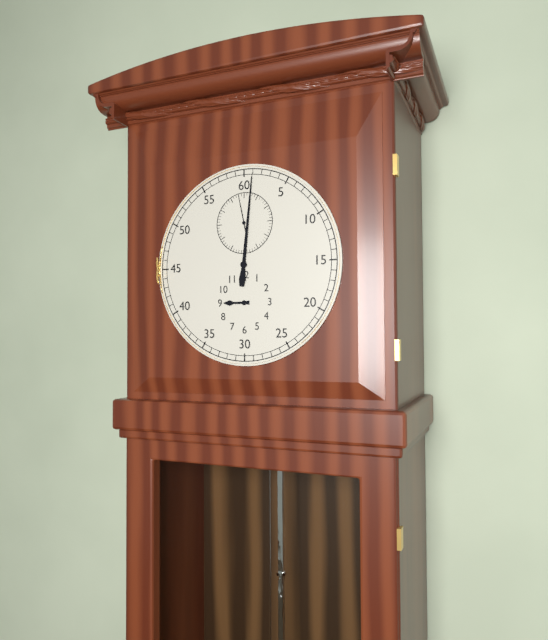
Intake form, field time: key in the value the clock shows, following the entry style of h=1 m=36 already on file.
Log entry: h=9 m=1
